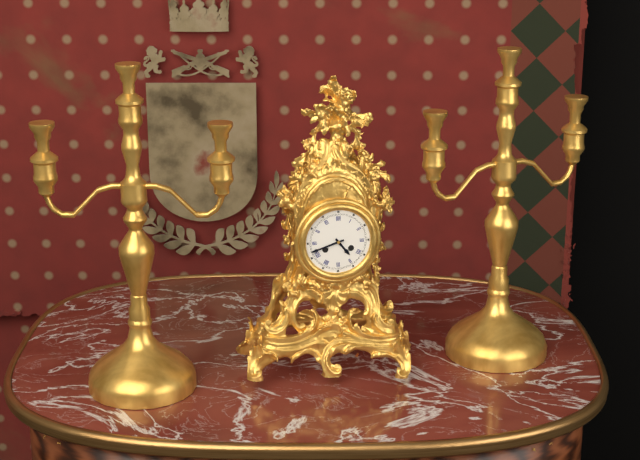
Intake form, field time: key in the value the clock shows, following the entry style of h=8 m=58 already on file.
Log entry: h=4 m=42
